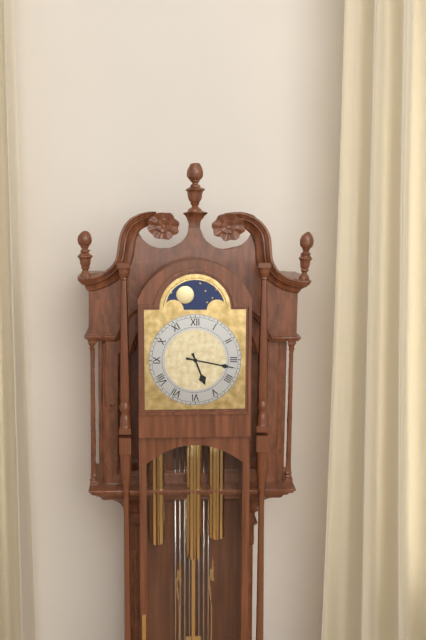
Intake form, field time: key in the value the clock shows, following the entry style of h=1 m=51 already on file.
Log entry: h=5 m=17
